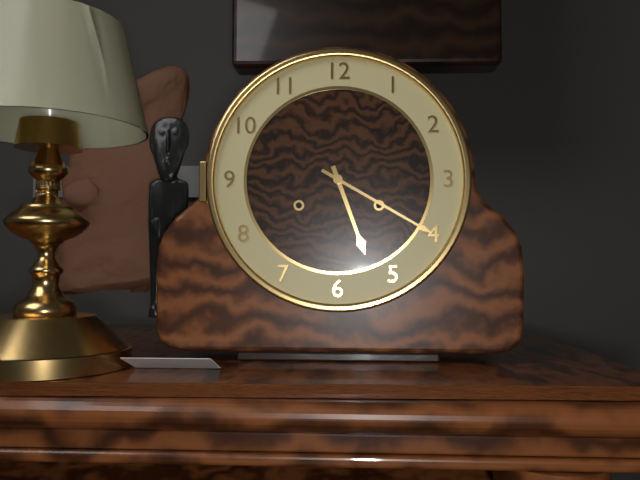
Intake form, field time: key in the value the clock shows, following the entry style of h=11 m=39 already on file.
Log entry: h=5 m=20
